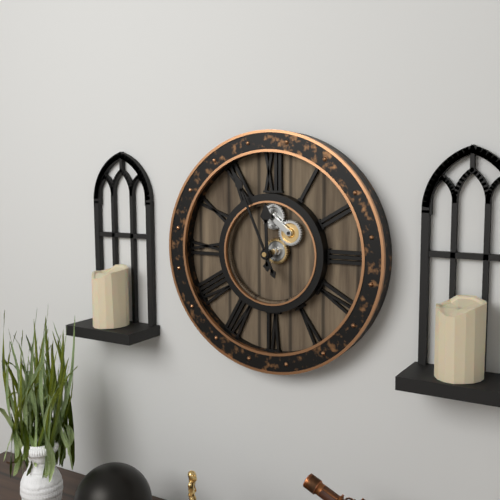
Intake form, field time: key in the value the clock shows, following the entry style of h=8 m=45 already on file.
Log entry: h=11 m=56
